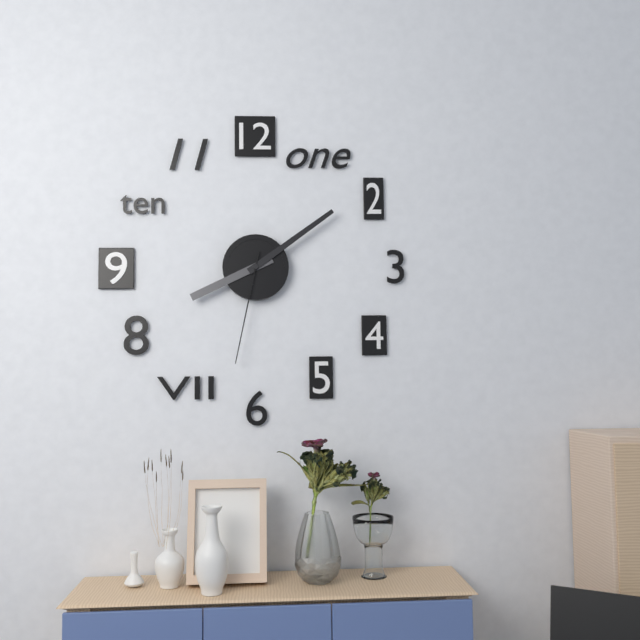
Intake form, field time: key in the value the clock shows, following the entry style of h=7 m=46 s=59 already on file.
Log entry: h=8 m=9 s=32
